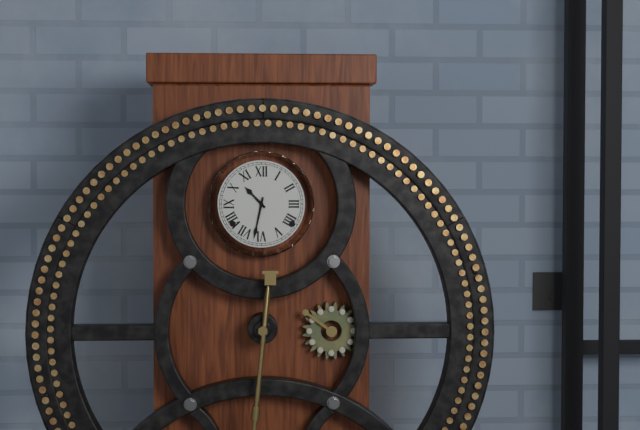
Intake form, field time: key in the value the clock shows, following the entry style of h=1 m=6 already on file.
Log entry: h=10 m=32
